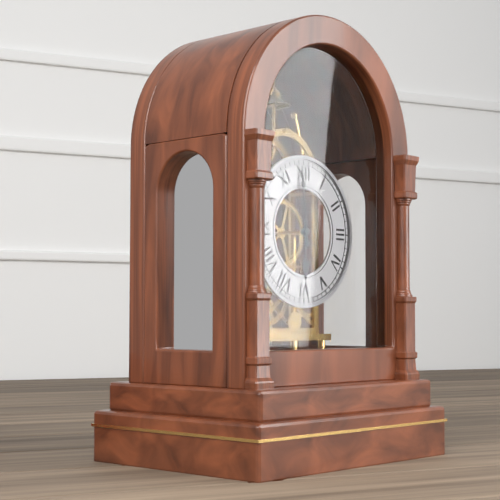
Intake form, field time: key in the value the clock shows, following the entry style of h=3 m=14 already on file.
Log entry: h=5 m=59
